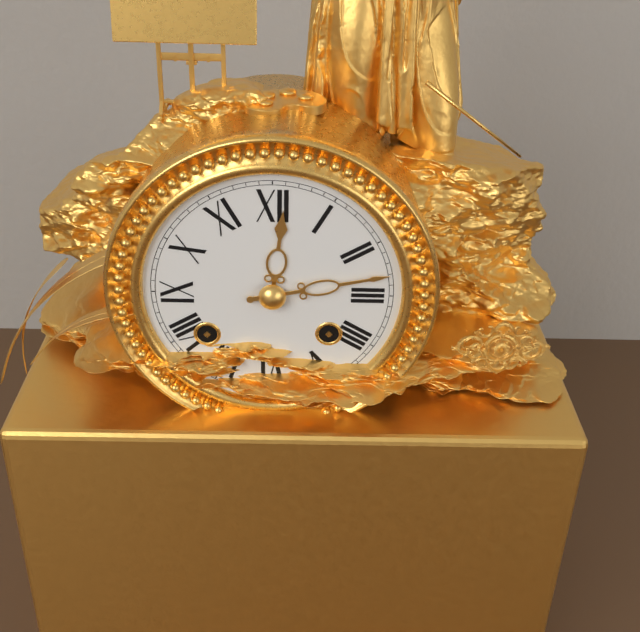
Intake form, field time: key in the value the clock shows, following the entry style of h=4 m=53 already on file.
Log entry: h=12 m=13
